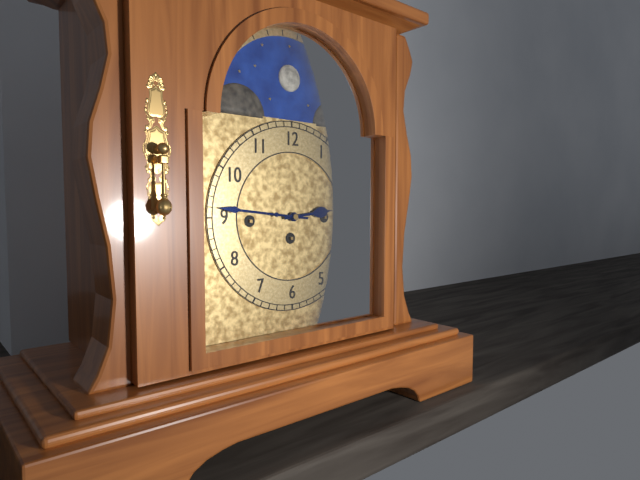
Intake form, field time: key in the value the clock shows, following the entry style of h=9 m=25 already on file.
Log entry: h=2 m=46
